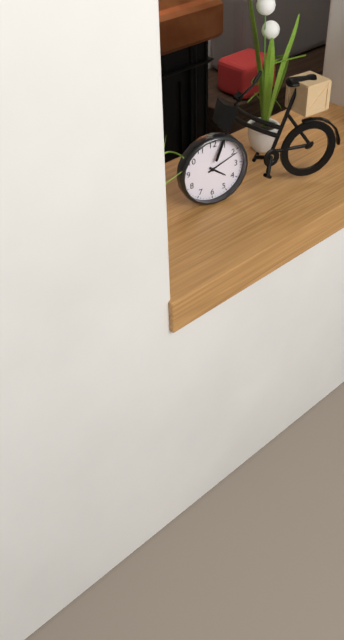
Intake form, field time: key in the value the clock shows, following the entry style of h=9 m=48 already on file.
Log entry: h=4 m=11
